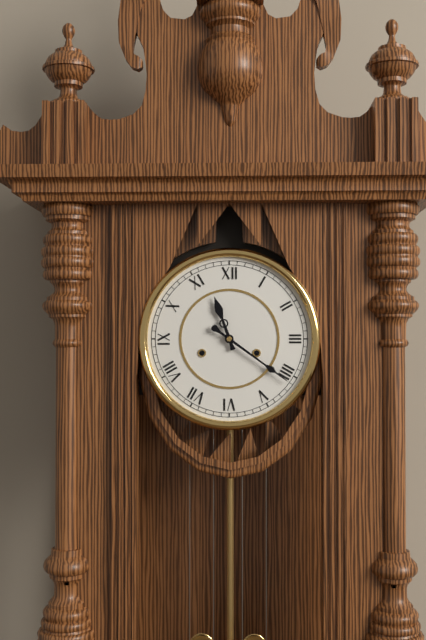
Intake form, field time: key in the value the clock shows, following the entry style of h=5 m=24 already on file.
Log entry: h=11 m=21
